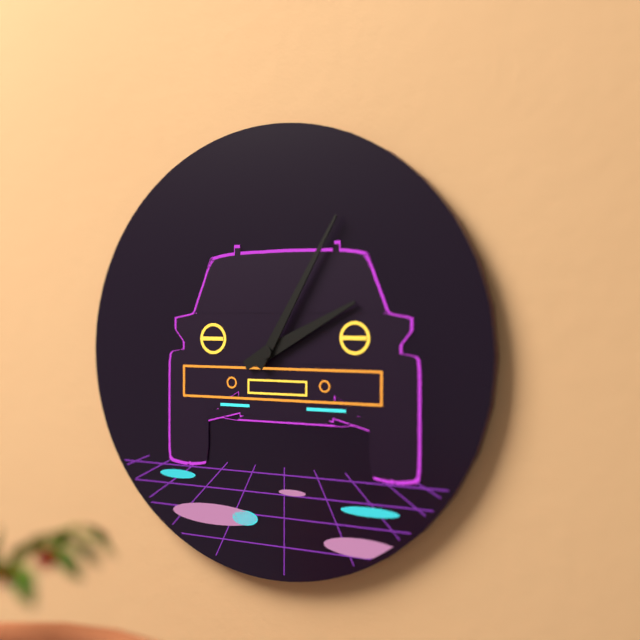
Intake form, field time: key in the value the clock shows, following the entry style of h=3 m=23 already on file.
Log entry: h=2 m=5
